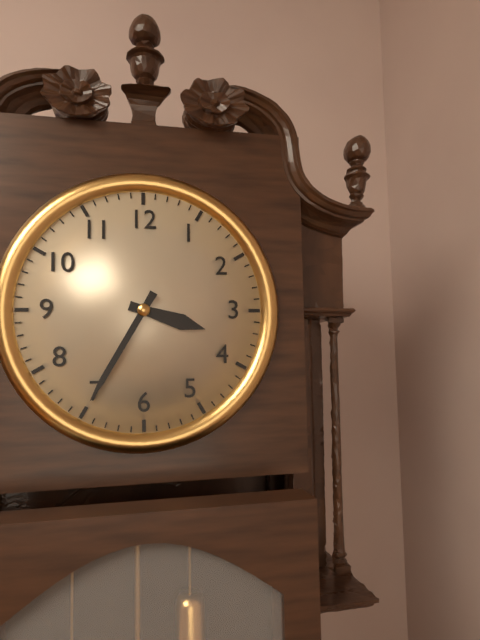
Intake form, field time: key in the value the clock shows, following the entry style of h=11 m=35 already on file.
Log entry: h=3 m=35
